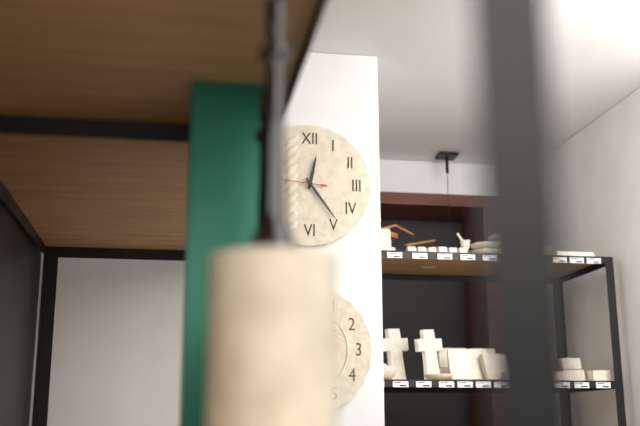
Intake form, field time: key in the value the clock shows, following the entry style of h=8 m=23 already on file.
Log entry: h=12 m=24
